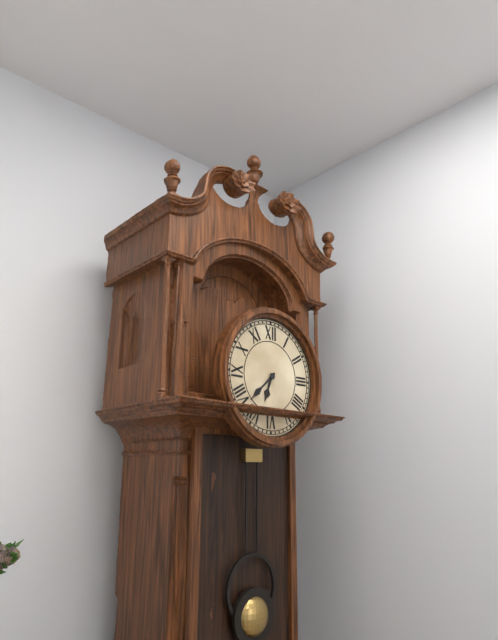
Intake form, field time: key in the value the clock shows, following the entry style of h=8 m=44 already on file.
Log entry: h=6 m=38
